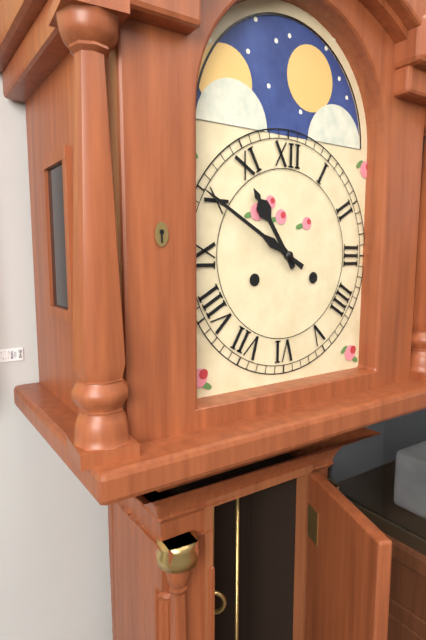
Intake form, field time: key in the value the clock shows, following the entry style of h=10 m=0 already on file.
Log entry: h=10 m=50
